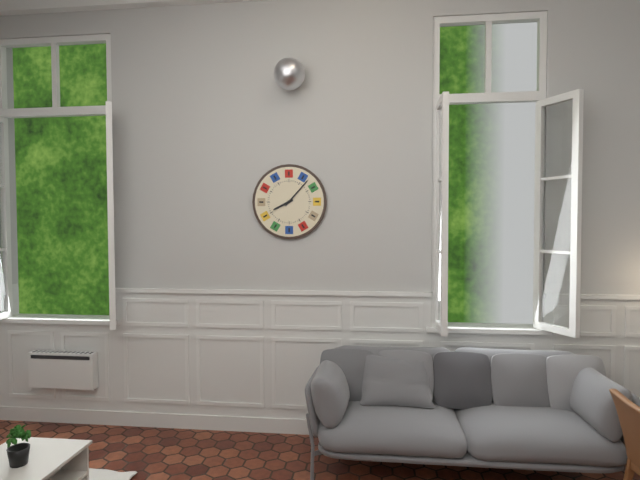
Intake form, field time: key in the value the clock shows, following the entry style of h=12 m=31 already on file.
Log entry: h=8 m=7
